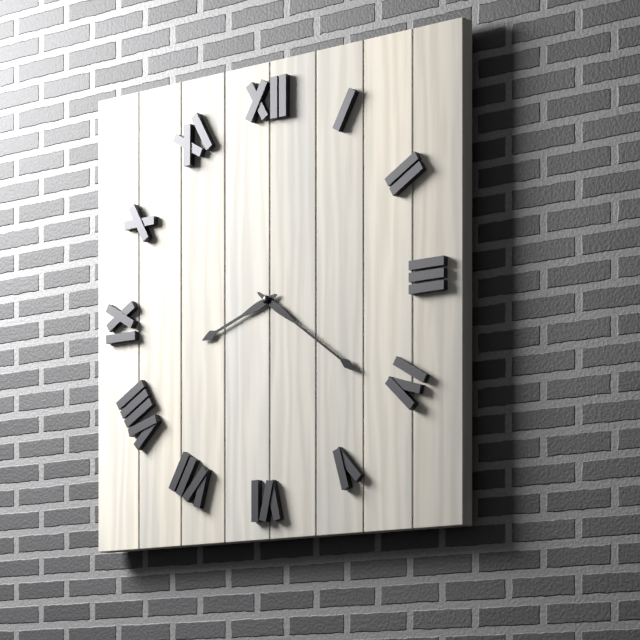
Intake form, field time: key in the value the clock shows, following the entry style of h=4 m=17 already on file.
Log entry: h=8 m=21
